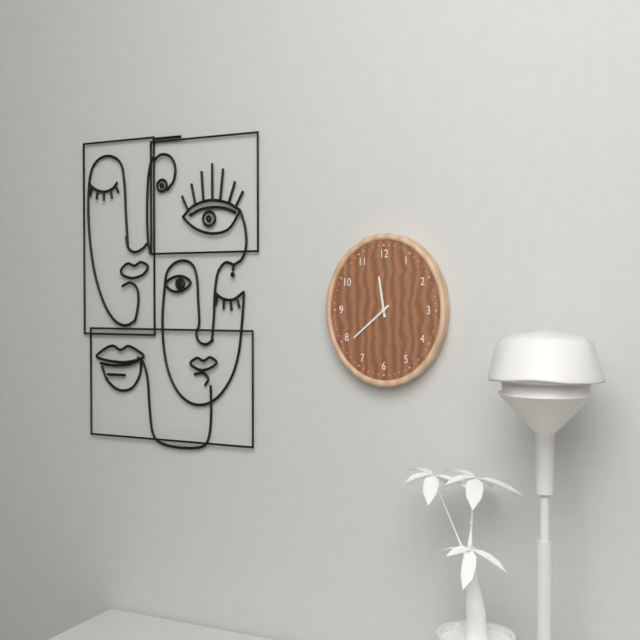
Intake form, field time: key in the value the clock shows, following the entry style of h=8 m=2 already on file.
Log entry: h=11 m=39
